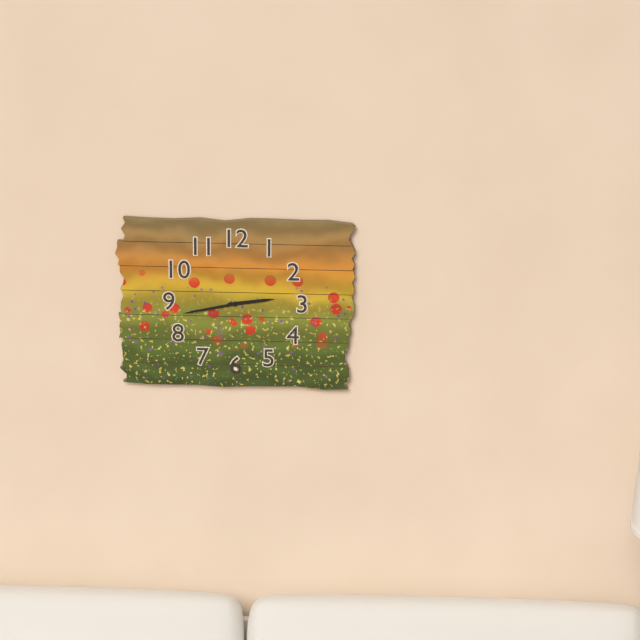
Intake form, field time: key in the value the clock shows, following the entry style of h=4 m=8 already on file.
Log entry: h=2 m=43
